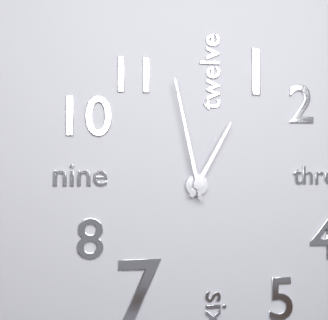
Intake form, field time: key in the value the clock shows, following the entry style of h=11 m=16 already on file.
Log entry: h=12 m=58
